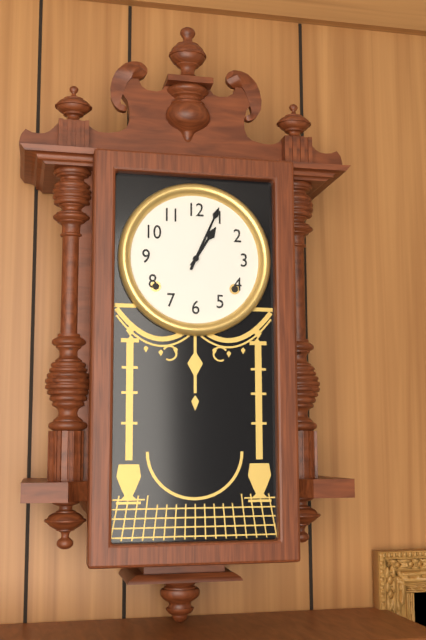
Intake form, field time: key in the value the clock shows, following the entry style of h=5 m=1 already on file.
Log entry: h=1 m=4
